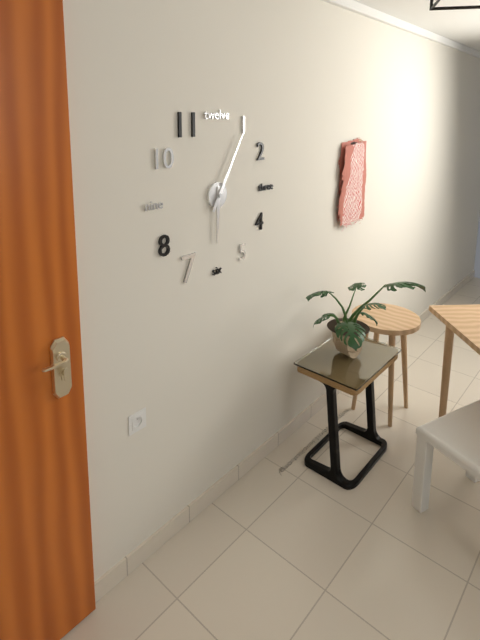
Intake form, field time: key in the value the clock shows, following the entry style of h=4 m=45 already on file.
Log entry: h=6 m=5
